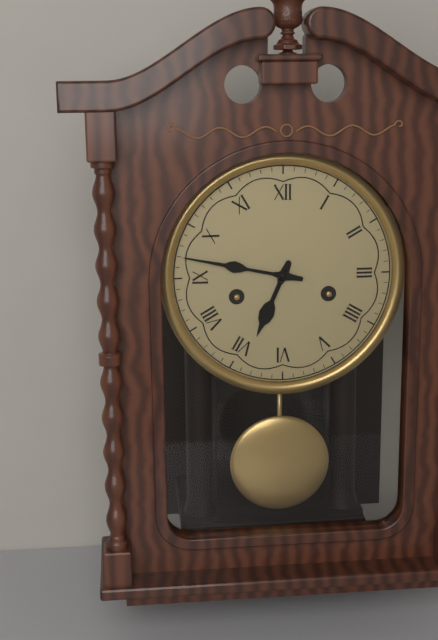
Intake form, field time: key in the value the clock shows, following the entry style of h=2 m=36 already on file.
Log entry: h=6 m=47
